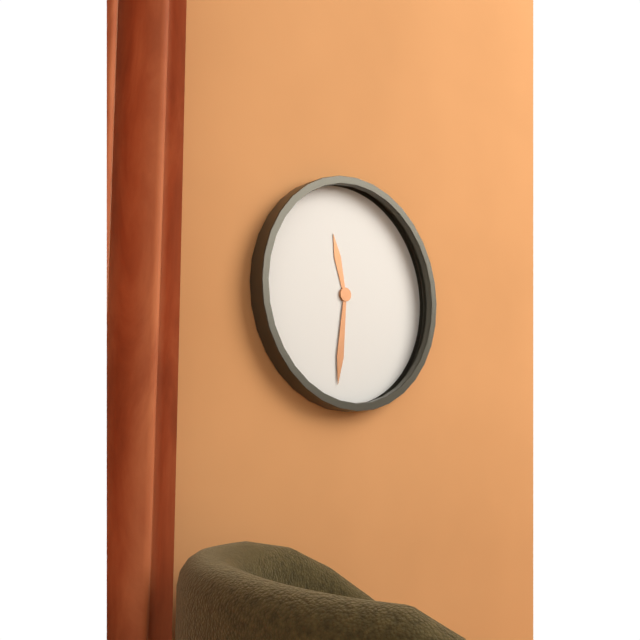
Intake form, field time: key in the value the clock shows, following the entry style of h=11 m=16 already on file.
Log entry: h=11 m=31
